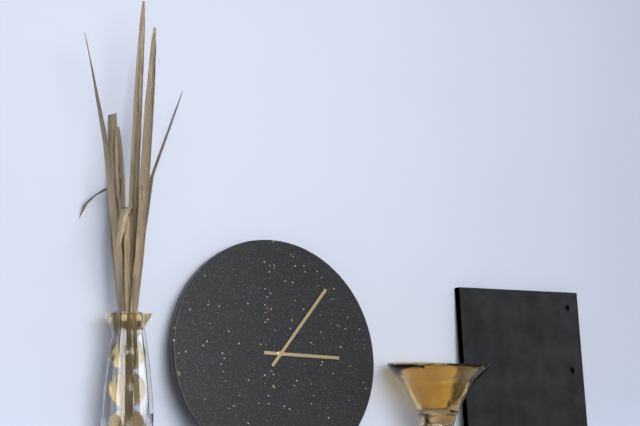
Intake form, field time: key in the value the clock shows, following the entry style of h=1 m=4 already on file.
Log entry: h=3 m=7
